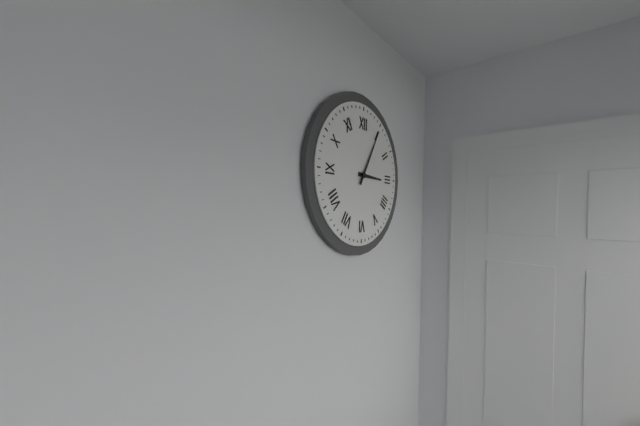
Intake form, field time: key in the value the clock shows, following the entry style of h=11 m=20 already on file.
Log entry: h=3 m=5
